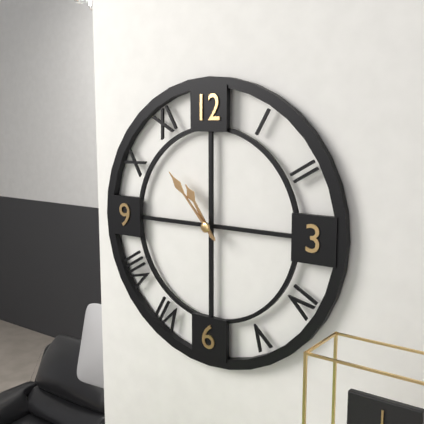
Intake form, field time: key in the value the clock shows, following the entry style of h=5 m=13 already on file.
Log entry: h=10 m=53
